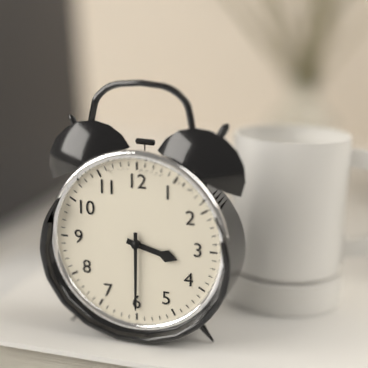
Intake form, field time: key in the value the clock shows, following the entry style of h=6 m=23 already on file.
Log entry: h=3 m=30
